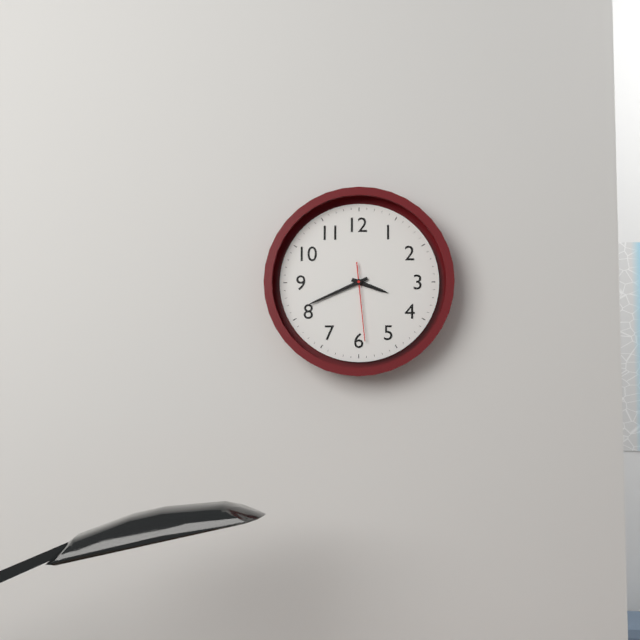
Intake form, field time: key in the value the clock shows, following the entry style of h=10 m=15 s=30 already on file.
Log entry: h=3 m=41 s=29
